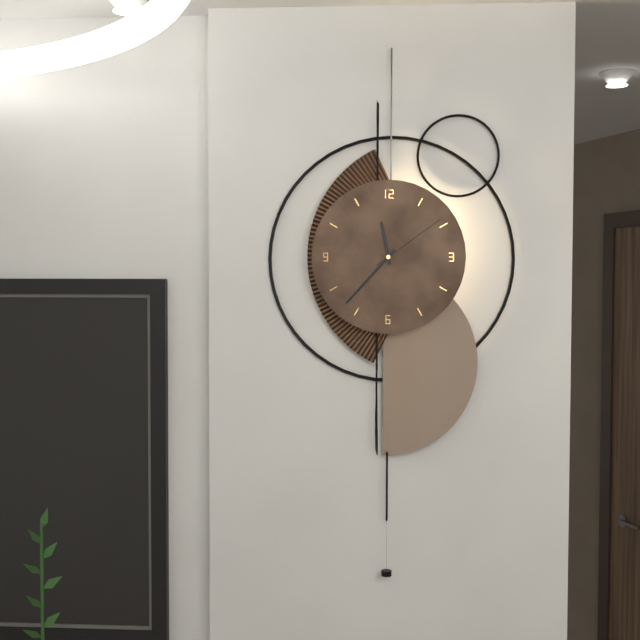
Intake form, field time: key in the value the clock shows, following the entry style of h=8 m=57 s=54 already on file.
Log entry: h=11 m=37 s=9
